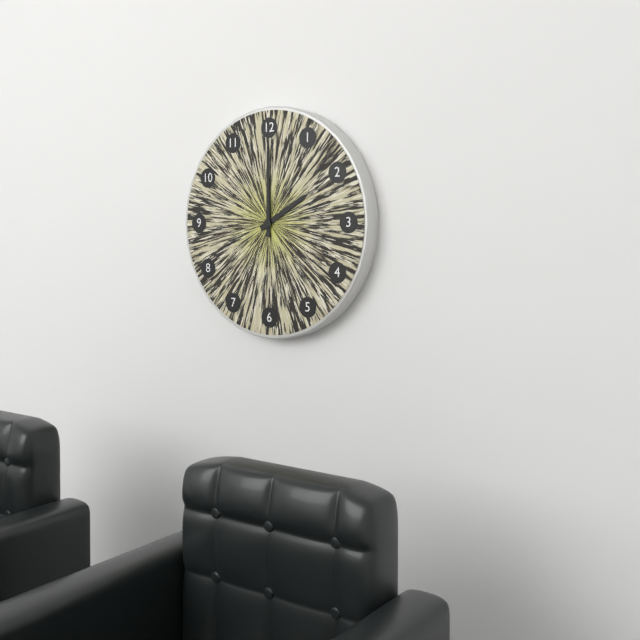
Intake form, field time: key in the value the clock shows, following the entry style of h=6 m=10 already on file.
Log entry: h=2 m=0
